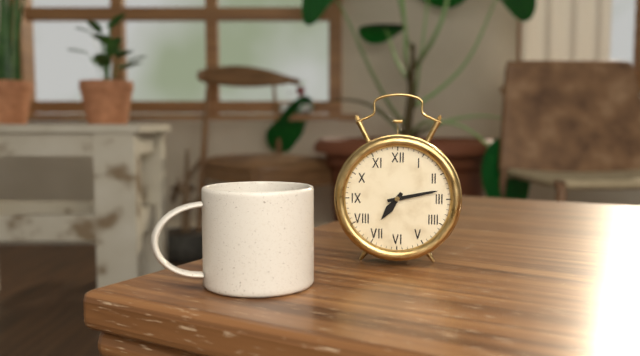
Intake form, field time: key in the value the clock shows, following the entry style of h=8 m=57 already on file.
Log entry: h=7 m=13
